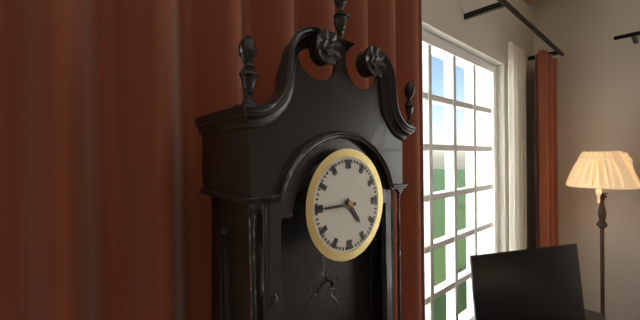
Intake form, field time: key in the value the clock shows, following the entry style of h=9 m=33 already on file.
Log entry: h=4 m=45
